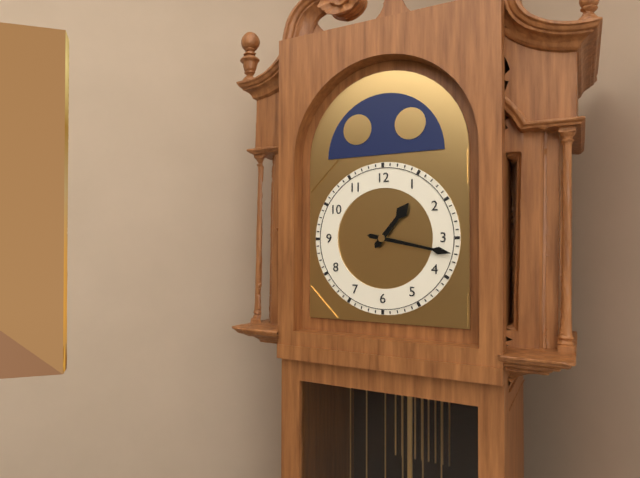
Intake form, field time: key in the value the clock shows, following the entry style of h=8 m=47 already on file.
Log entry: h=1 m=17
